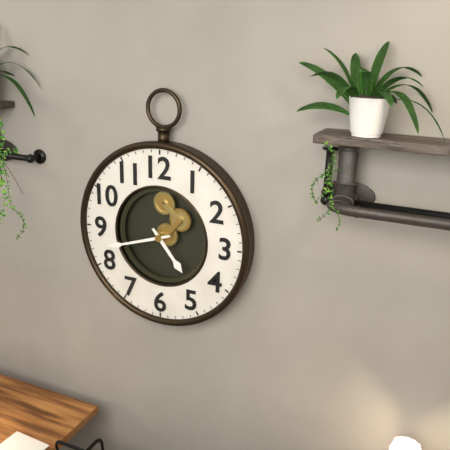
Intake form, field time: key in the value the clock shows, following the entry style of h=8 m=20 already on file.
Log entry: h=4 m=42
